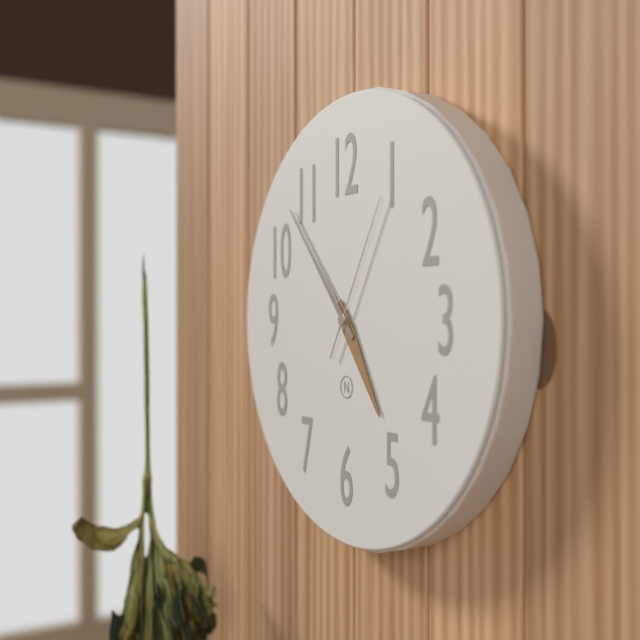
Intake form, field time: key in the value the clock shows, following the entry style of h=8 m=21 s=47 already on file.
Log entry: h=4 m=53 s=5
